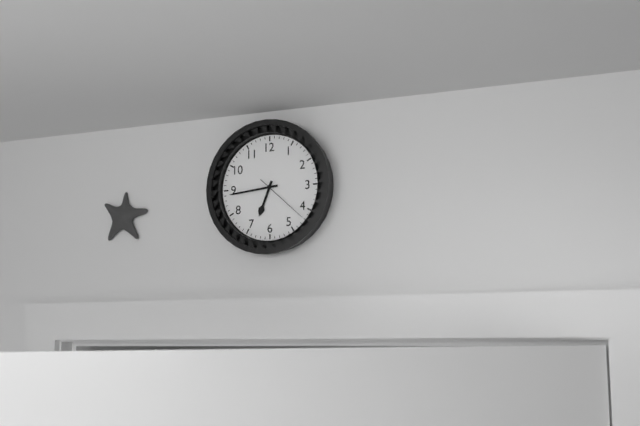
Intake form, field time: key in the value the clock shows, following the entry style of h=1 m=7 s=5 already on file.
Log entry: h=6 m=44 s=22
